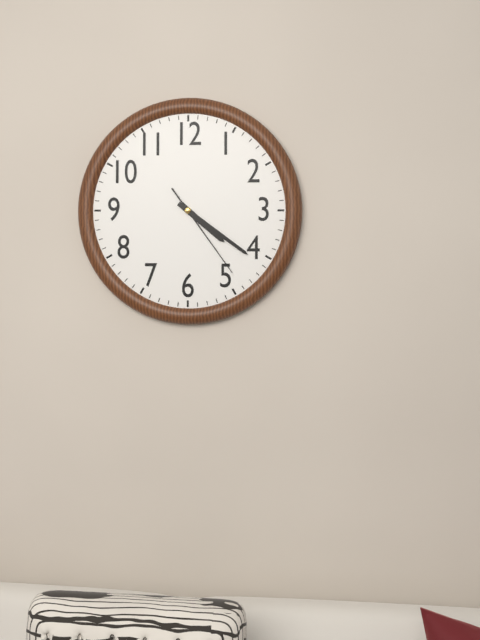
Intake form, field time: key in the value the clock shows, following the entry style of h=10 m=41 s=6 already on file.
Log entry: h=4 m=21 s=24
